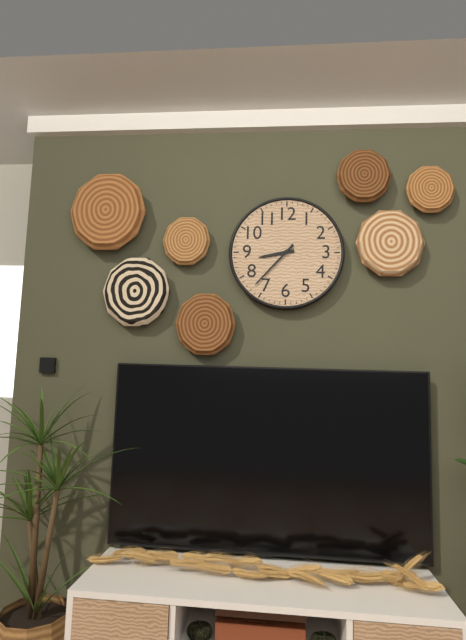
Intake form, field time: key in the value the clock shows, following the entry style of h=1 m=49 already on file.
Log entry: h=8 m=37
